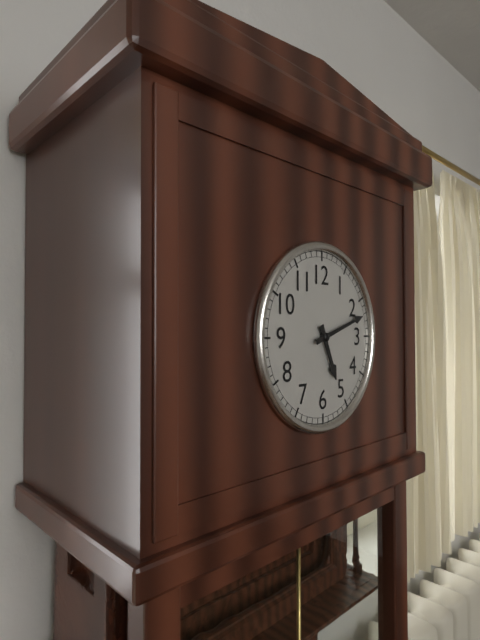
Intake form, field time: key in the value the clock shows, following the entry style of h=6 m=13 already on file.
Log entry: h=5 m=12
